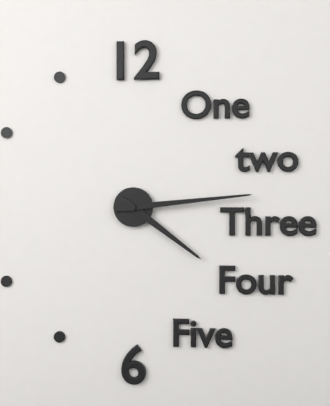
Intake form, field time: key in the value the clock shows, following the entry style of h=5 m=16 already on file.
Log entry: h=4 m=14
